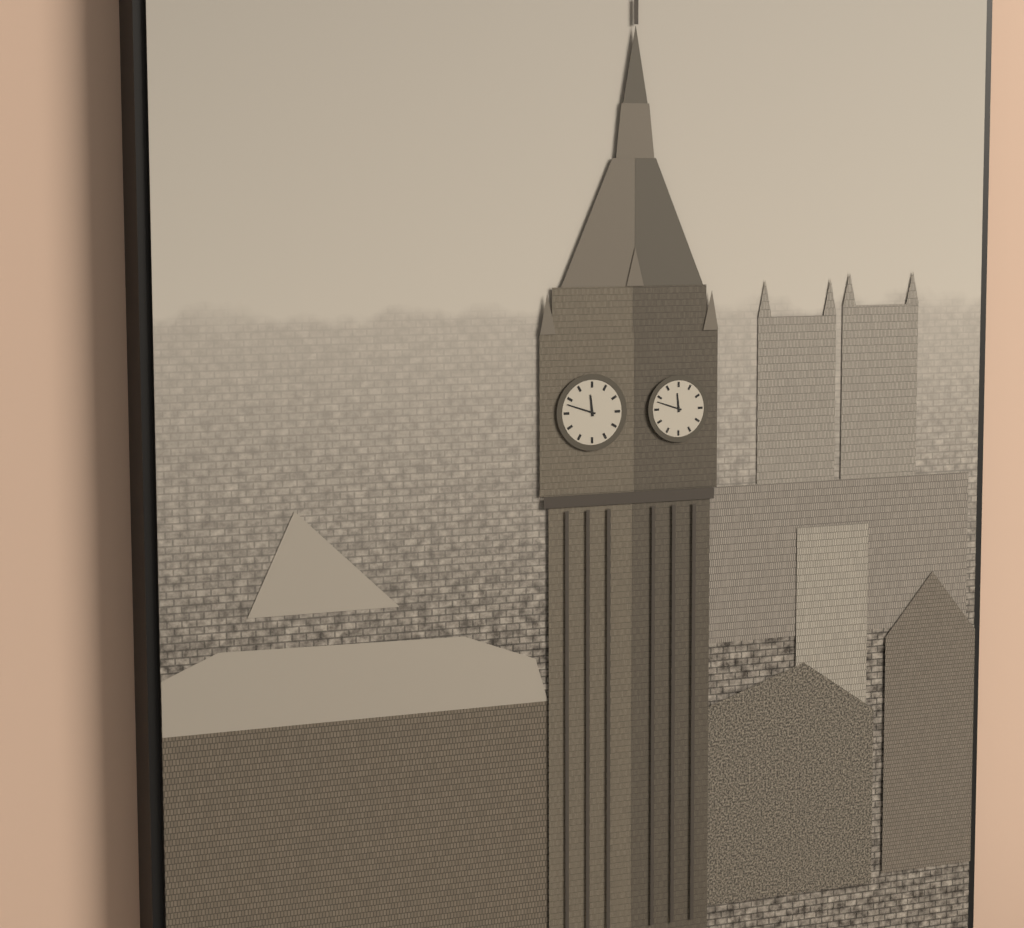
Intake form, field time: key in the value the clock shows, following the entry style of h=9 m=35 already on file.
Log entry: h=11 m=48
